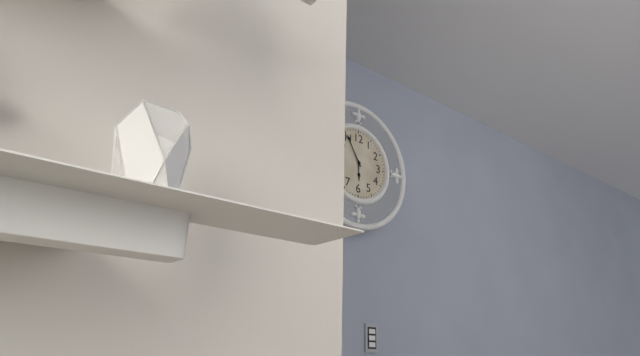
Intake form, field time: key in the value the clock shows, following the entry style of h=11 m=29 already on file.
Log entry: h=5 m=55
